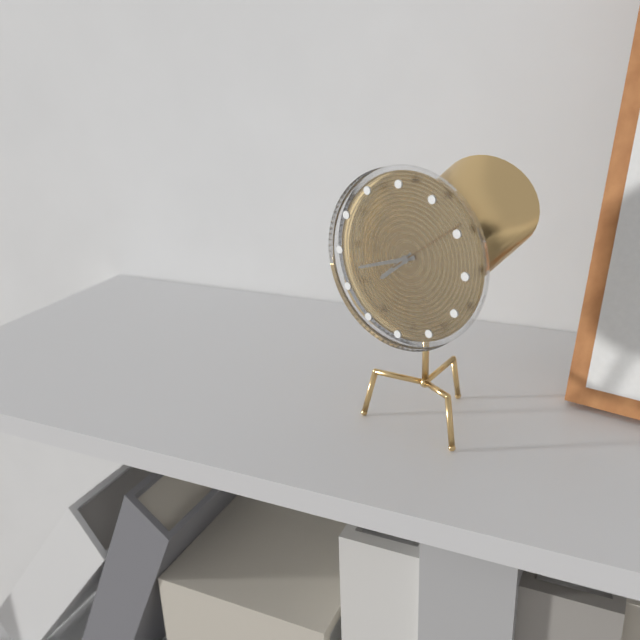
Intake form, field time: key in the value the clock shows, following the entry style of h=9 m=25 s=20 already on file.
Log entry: h=7 m=42 s=9
